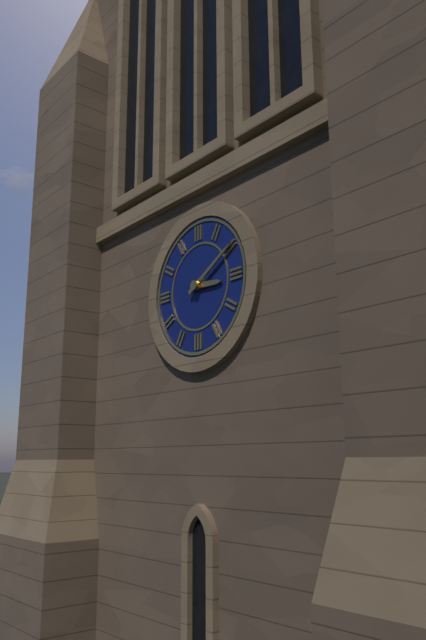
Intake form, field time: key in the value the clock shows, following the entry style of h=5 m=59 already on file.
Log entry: h=3 m=10
